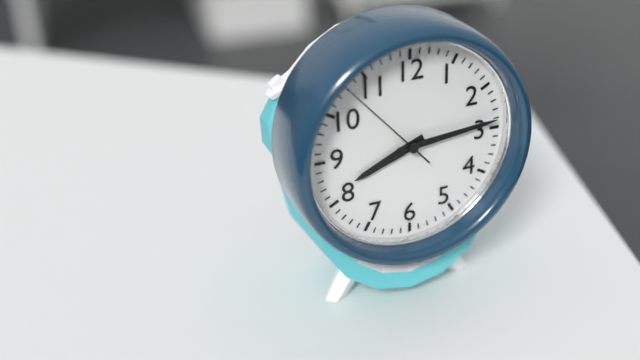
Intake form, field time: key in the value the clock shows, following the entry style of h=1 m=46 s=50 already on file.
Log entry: h=8 m=14 s=53
